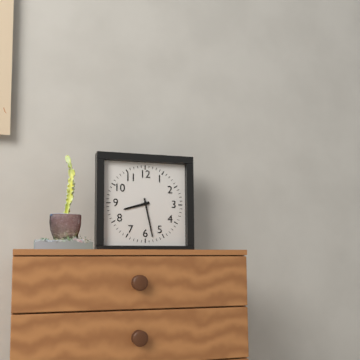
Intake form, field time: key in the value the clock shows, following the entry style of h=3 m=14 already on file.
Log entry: h=8 m=28
